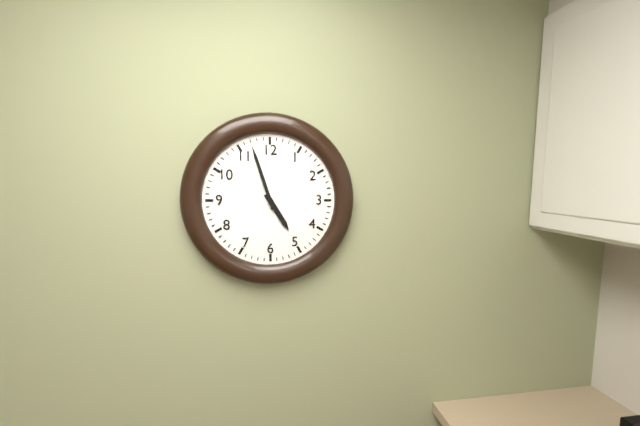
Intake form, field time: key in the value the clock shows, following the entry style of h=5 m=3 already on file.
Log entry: h=4 m=57
